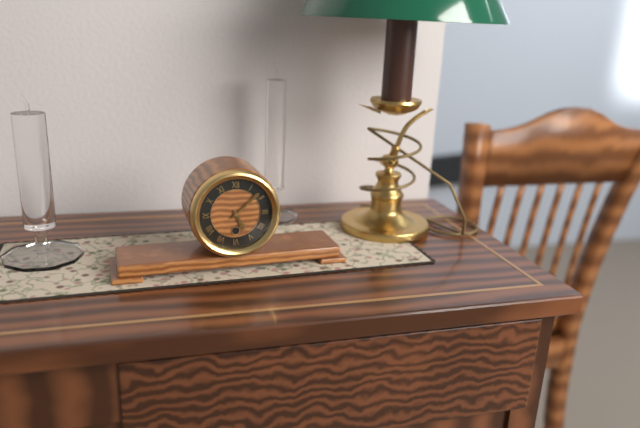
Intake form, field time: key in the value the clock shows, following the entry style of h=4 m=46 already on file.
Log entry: h=5 m=8
